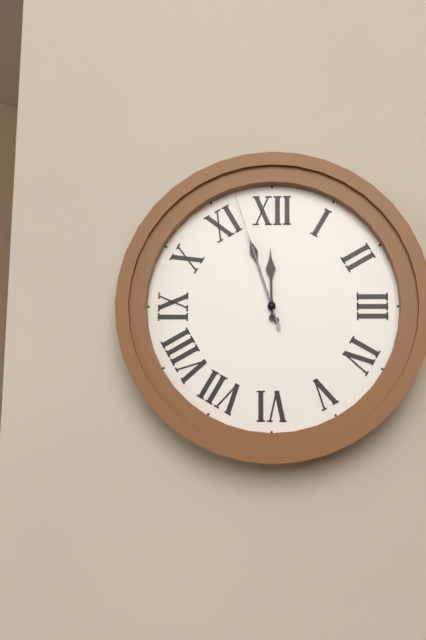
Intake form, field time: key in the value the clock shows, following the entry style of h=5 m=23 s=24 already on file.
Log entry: h=11 m=57 s=57
